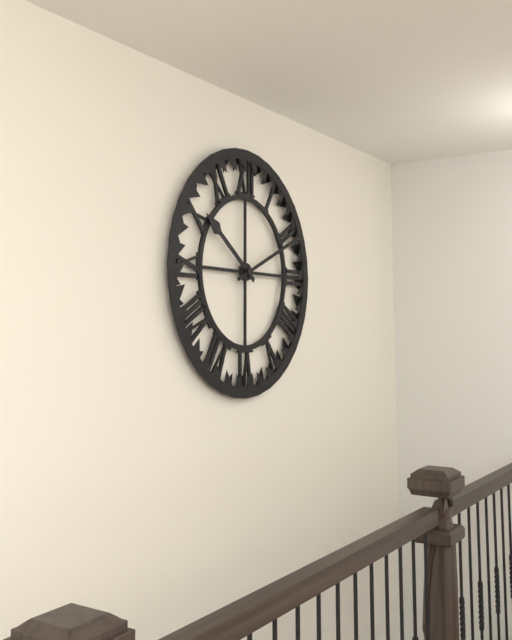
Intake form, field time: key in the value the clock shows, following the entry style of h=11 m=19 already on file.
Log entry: h=10 m=11
